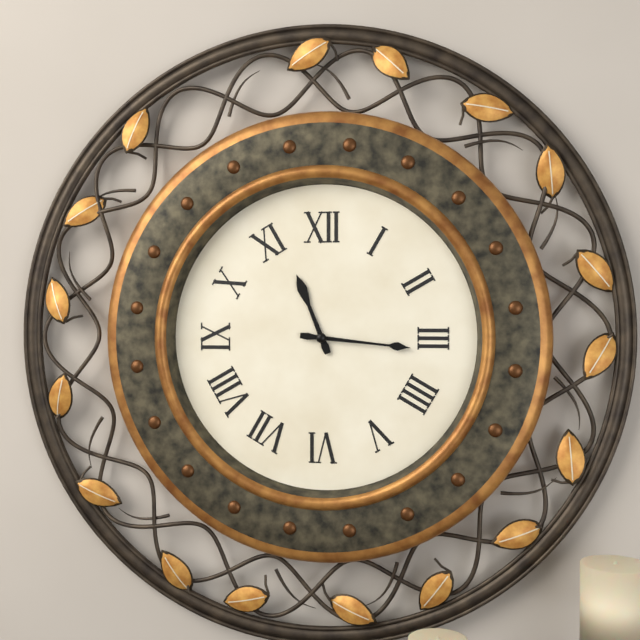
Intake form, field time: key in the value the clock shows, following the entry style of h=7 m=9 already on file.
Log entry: h=11 m=16
